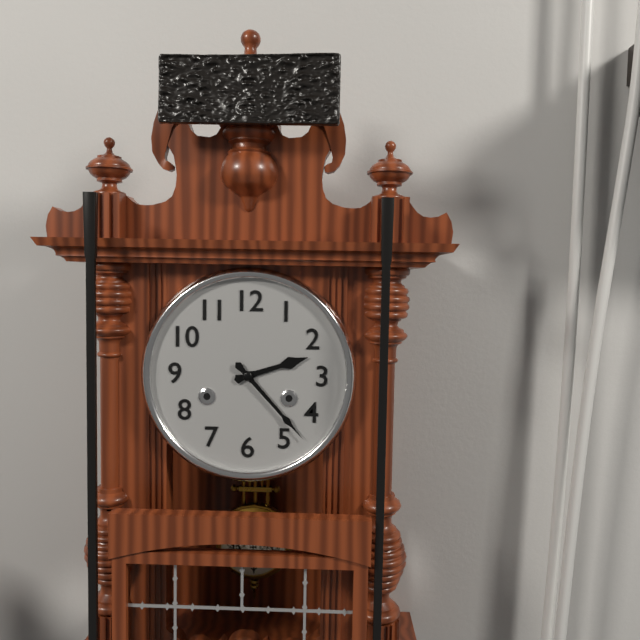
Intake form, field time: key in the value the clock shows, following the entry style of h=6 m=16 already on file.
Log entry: h=2 m=23
